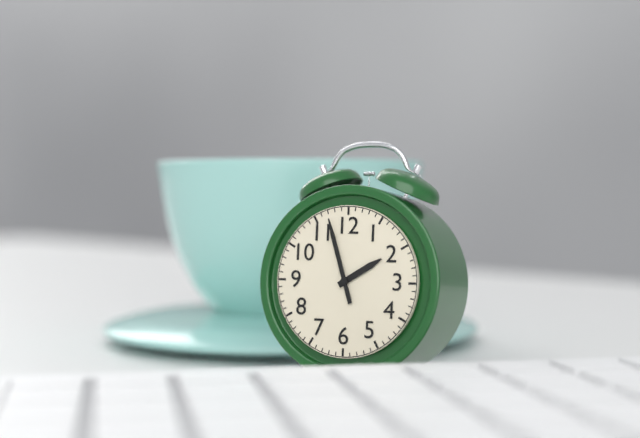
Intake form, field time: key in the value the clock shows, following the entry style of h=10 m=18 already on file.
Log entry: h=1 m=57
